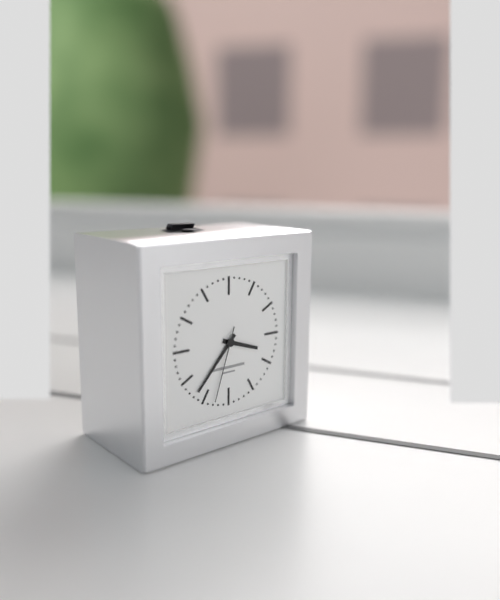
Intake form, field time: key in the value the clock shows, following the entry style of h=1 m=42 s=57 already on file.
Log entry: h=3 m=37 s=33
